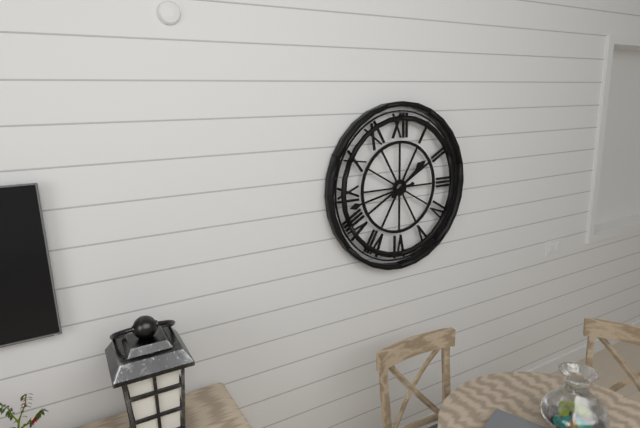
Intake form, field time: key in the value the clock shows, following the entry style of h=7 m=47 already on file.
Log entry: h=1 m=43
